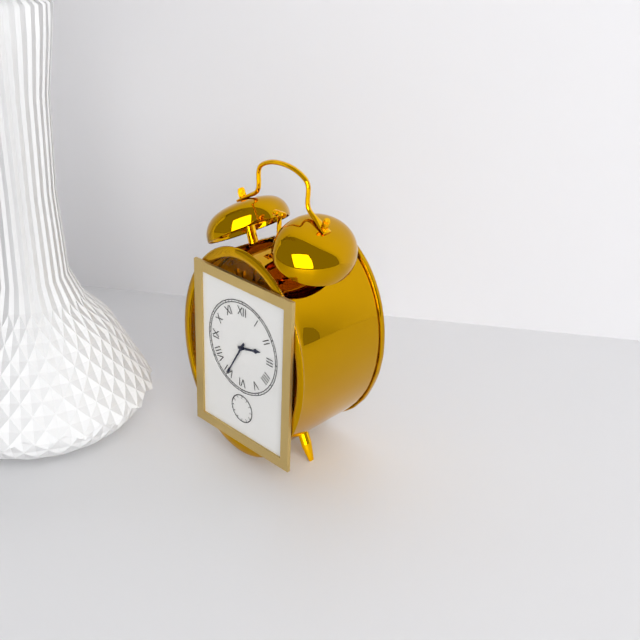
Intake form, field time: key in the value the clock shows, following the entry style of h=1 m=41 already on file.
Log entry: h=2 m=35
